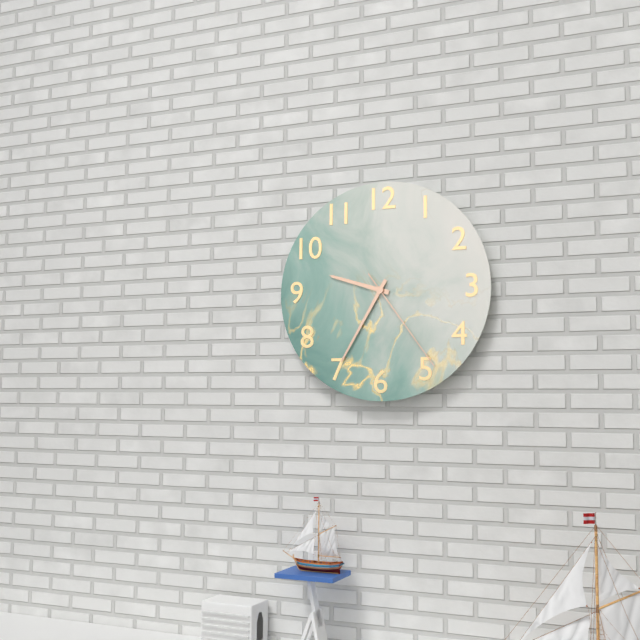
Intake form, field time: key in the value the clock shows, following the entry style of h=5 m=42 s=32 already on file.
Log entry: h=9 m=35 s=24
